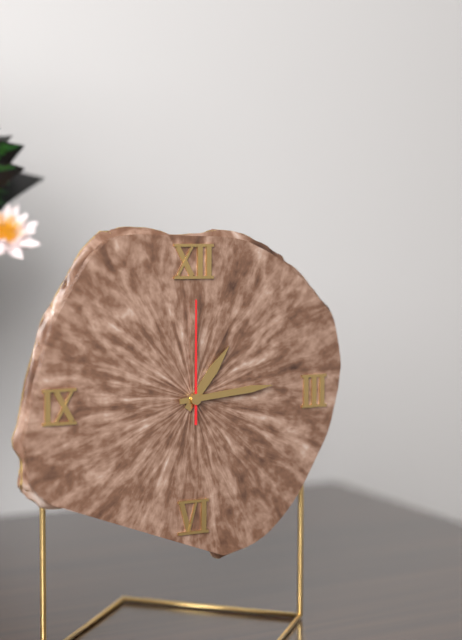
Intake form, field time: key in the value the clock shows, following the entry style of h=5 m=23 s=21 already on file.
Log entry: h=1 m=14 s=0
